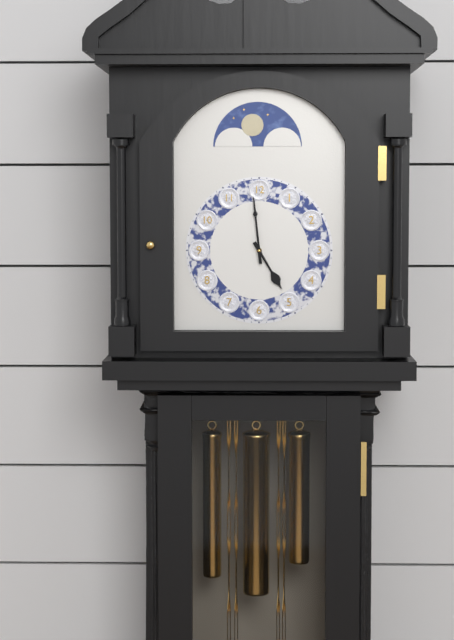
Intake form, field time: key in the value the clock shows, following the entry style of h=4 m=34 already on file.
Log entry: h=4 m=59
